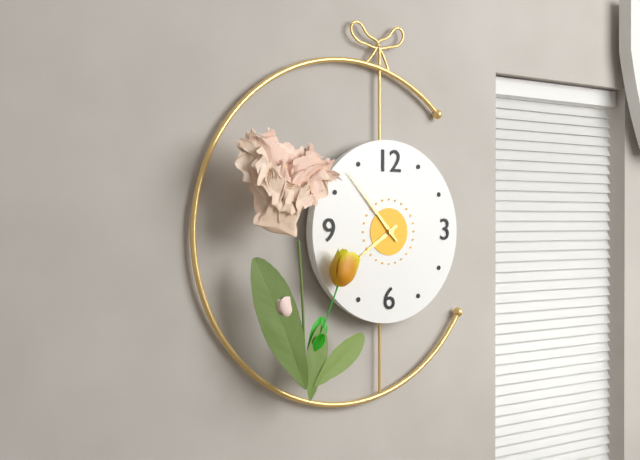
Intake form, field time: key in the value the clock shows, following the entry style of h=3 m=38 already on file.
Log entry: h=7 m=53
